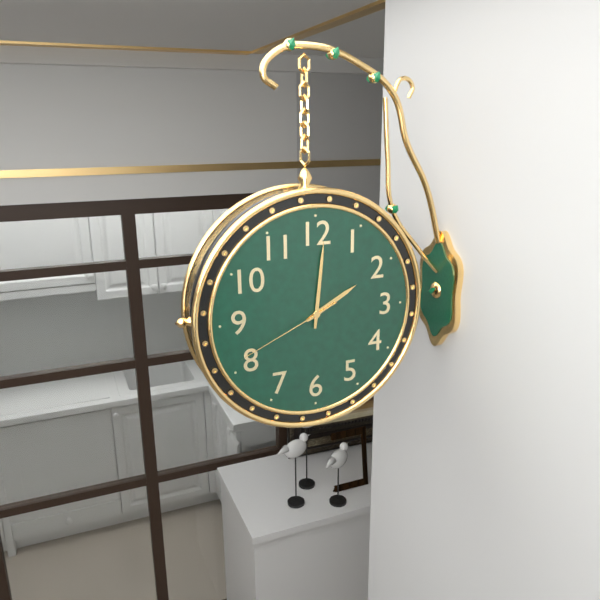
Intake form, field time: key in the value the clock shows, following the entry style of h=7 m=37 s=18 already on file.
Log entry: h=2 m=1 s=41
